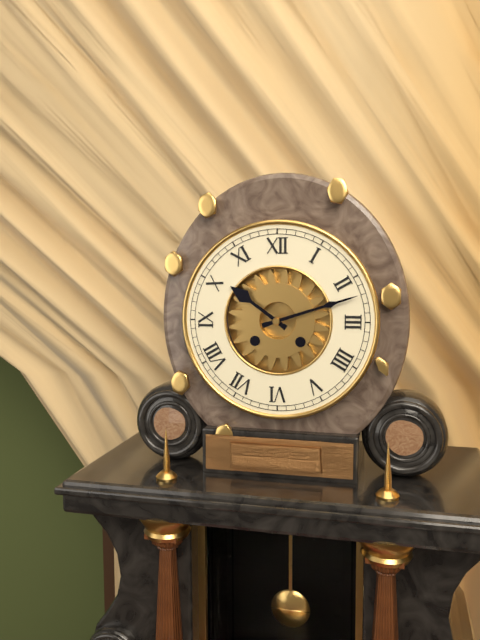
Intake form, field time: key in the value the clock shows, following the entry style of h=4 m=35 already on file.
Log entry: h=10 m=12
